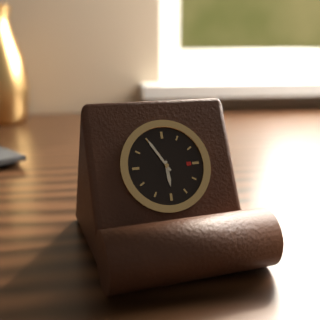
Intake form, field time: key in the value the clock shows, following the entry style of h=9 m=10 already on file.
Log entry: h=5 m=55
